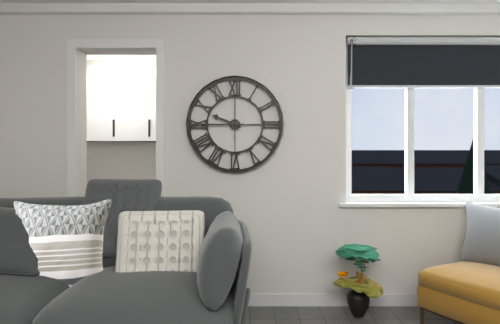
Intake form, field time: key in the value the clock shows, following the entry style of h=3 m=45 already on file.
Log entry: h=9 m=45
